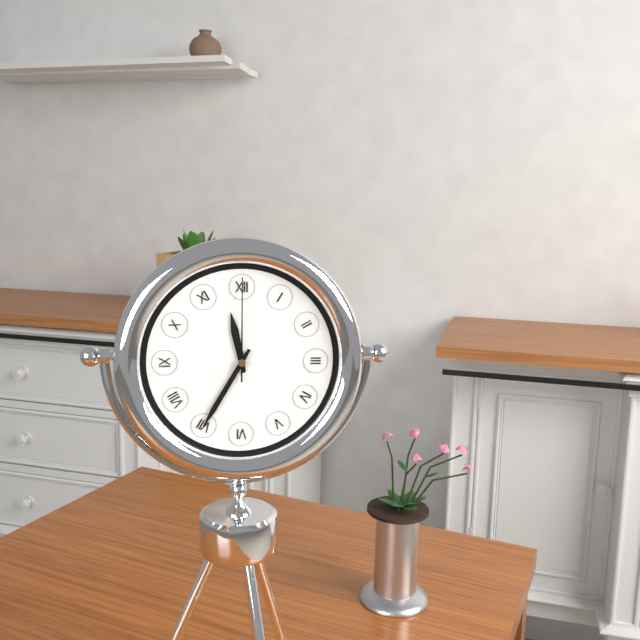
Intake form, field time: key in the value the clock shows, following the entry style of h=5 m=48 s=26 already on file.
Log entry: h=11 m=35 s=0
